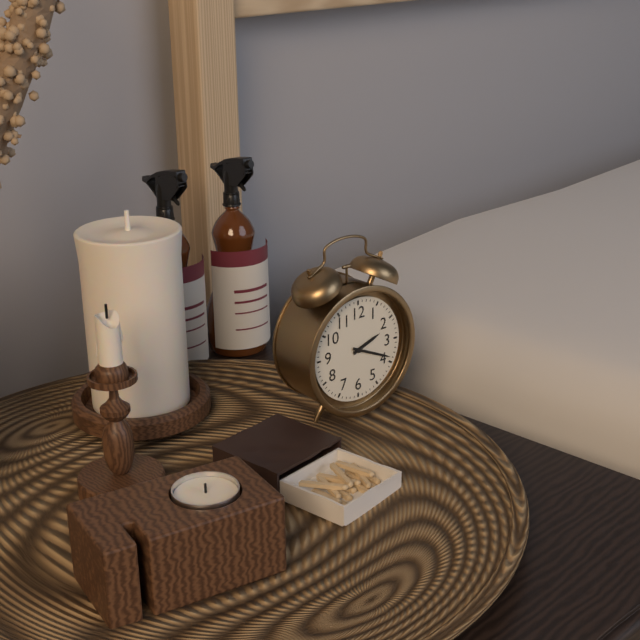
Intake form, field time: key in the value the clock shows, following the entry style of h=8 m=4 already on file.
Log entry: h=2 m=19
